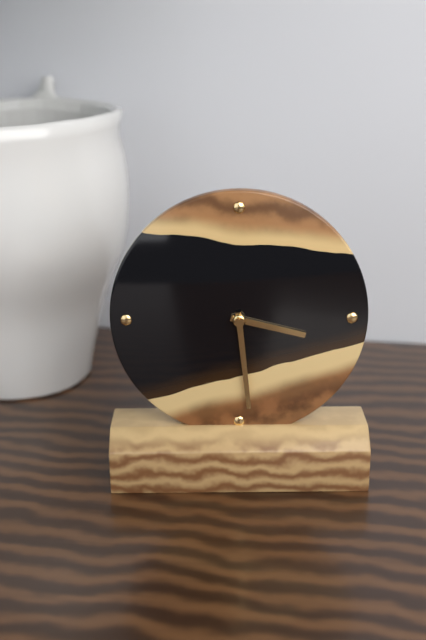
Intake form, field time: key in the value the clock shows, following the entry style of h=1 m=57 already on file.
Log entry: h=3 m=29
